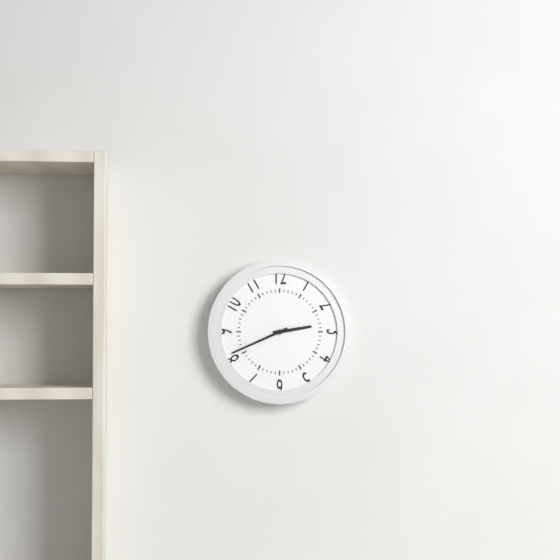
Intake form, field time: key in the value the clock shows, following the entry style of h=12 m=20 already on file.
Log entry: h=2 m=41
